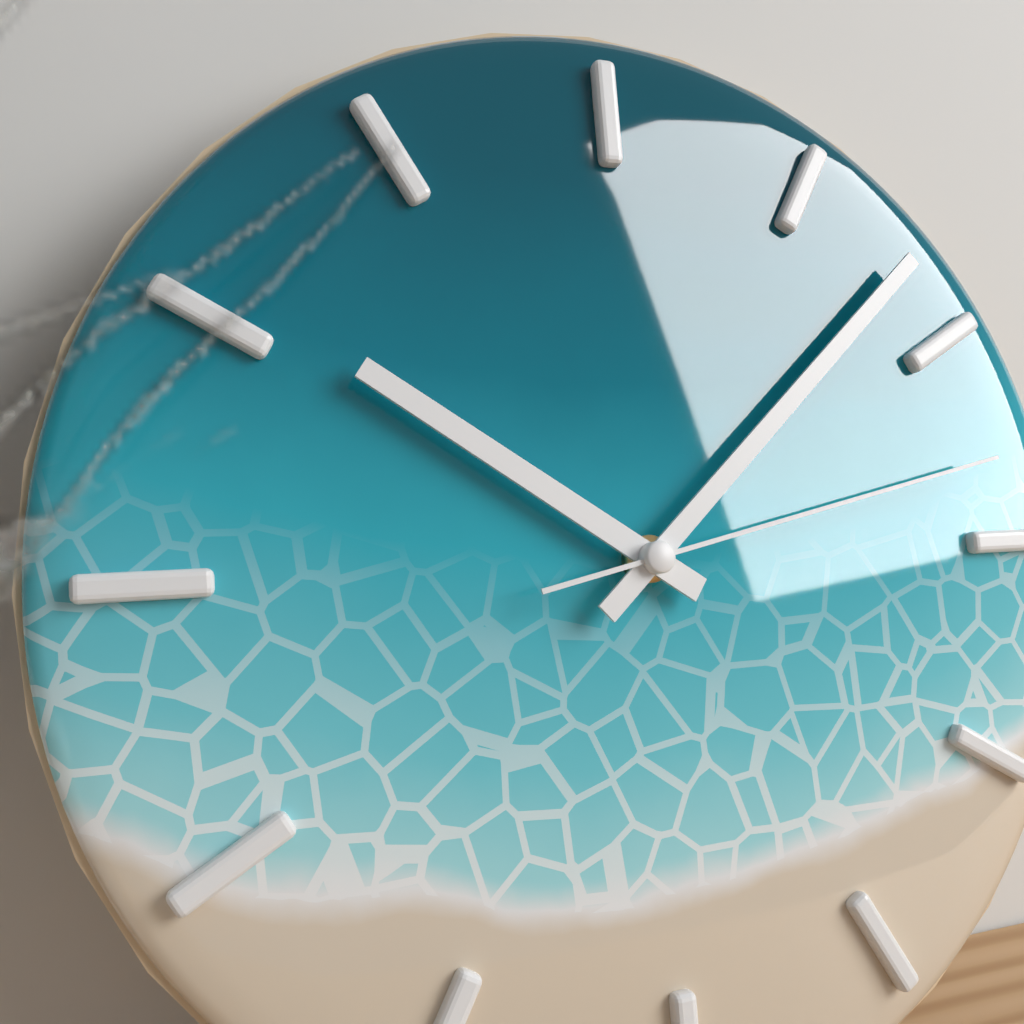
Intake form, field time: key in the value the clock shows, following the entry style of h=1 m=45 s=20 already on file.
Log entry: h=10 m=8 s=13
